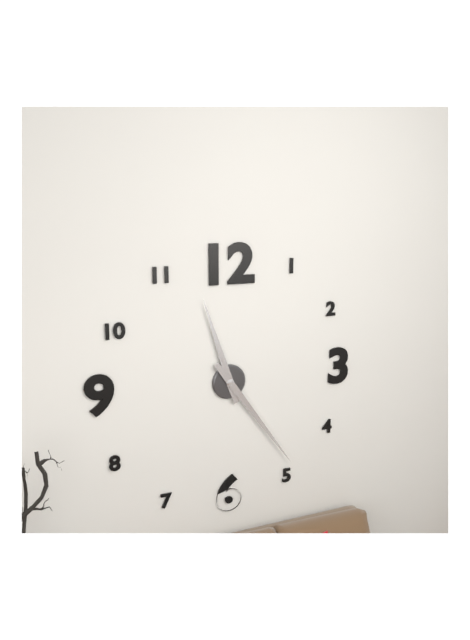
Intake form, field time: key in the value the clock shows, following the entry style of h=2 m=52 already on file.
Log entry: h=11 m=24
